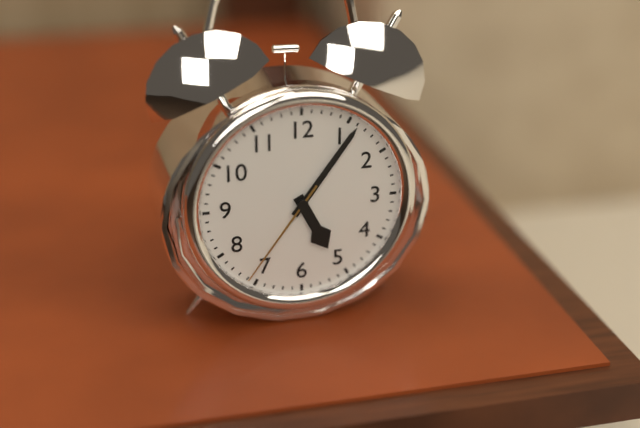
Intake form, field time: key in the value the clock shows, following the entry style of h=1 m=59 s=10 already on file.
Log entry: h=5 m=6 s=36
